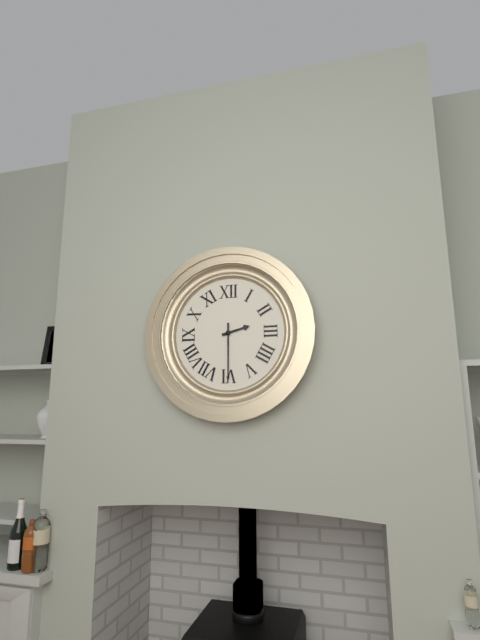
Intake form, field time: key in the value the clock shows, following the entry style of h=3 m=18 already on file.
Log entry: h=2 m=30
